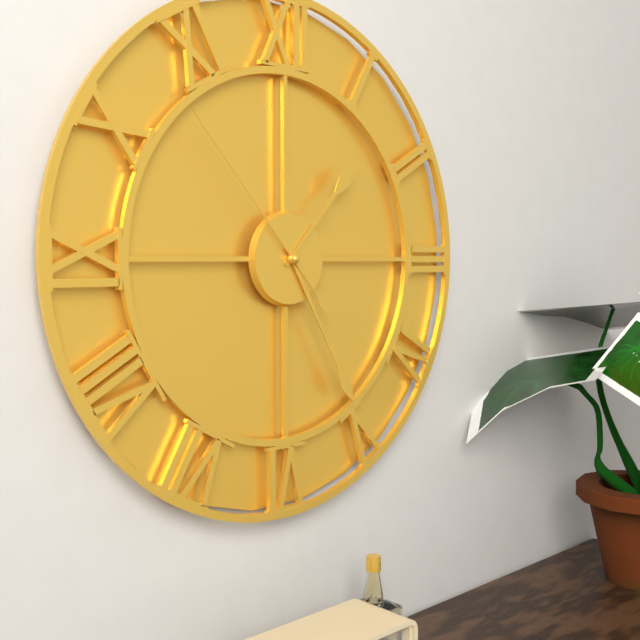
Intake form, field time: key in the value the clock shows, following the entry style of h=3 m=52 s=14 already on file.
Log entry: h=1 m=25 s=53
